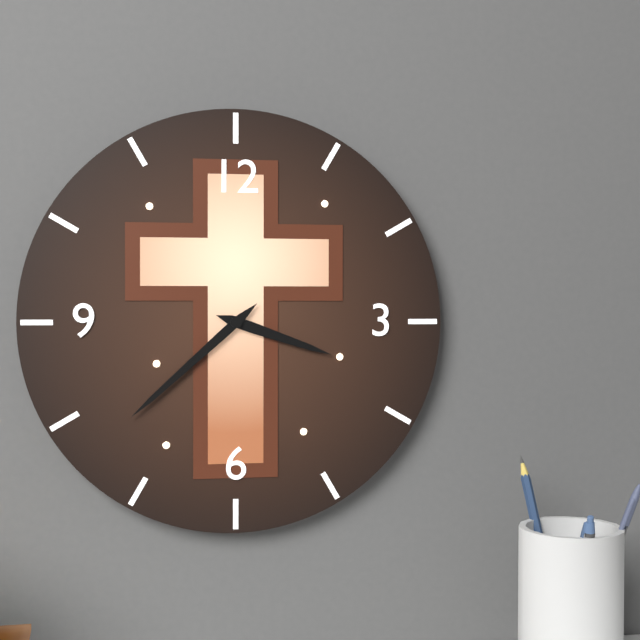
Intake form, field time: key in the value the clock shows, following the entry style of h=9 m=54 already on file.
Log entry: h=3 m=38
